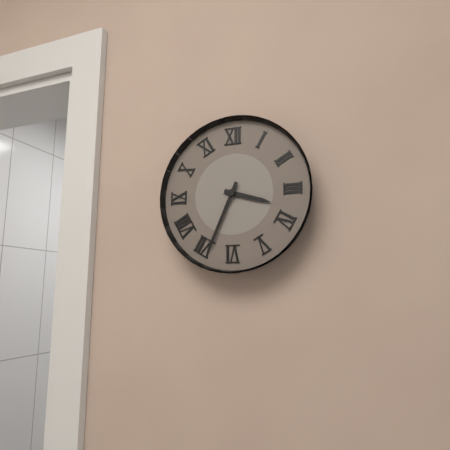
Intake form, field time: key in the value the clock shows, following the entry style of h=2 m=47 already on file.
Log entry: h=3 m=34
